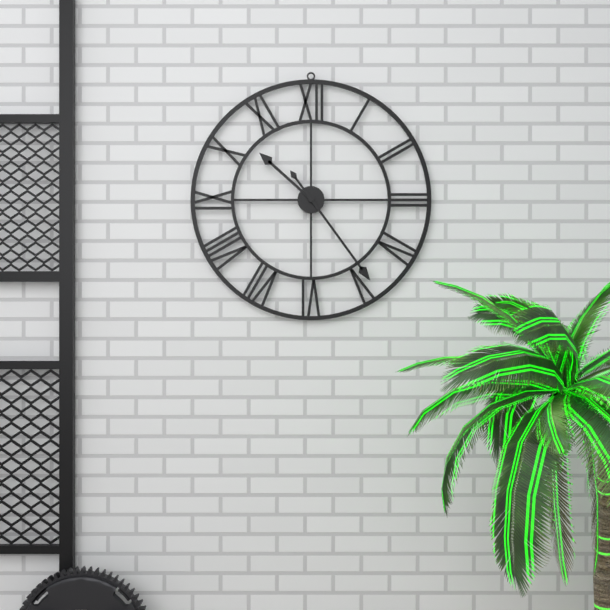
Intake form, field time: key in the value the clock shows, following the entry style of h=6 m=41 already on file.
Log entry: h=10 m=24
